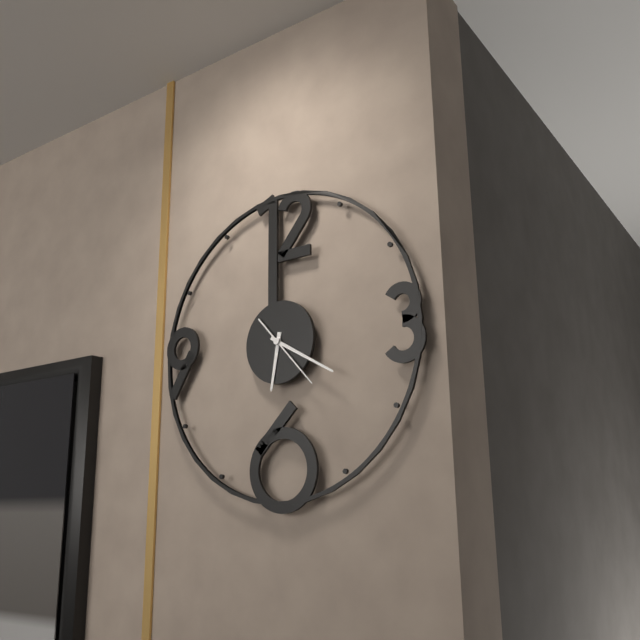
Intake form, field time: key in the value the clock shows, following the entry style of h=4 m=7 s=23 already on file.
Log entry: h=6 m=20 s=23
